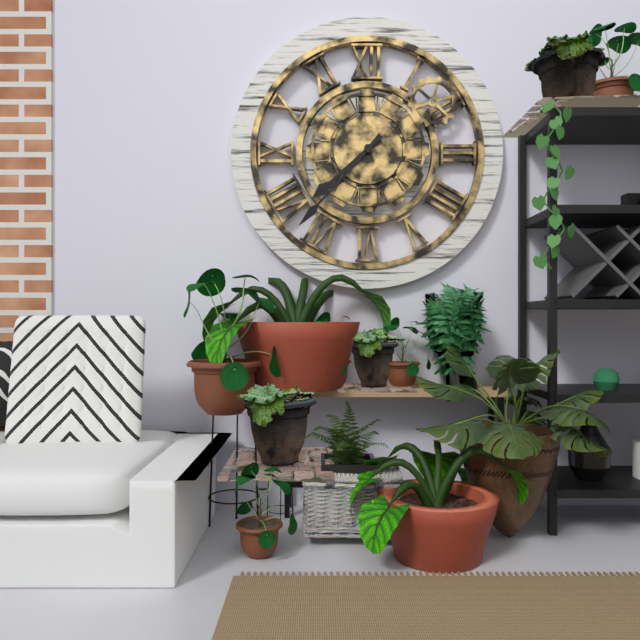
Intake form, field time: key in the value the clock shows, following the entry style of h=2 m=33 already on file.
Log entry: h=7 m=37
